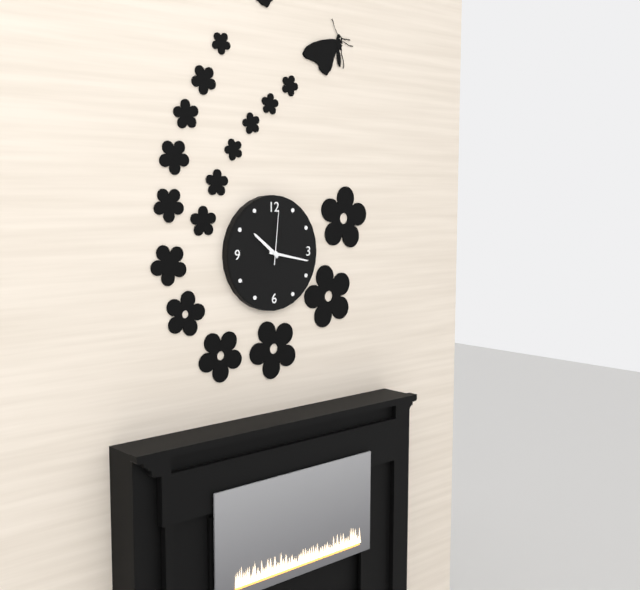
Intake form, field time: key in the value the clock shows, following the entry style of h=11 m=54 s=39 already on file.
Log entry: h=10 m=17 s=1
